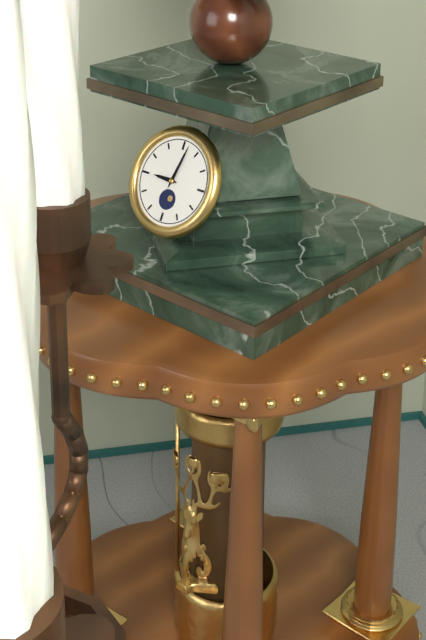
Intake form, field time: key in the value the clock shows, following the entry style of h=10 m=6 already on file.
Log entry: h=9 m=2
